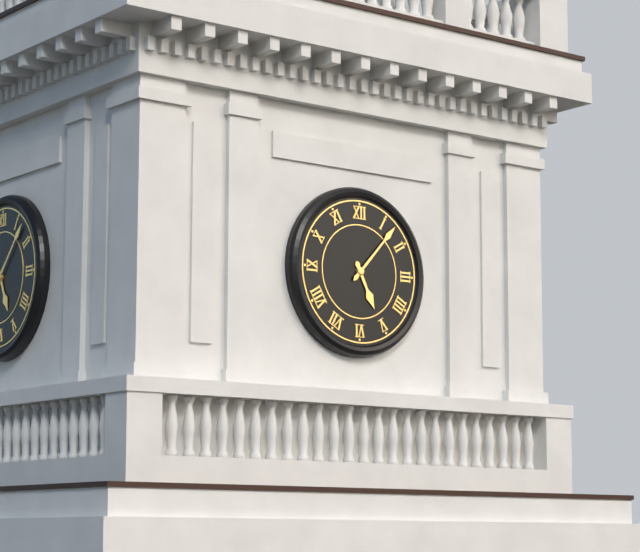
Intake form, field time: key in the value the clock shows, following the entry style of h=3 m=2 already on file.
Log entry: h=5 m=7
